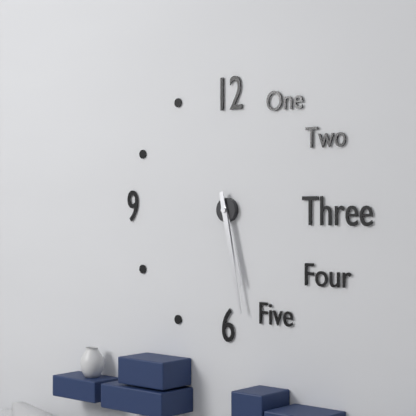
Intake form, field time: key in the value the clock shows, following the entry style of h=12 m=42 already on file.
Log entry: h=5 m=28
